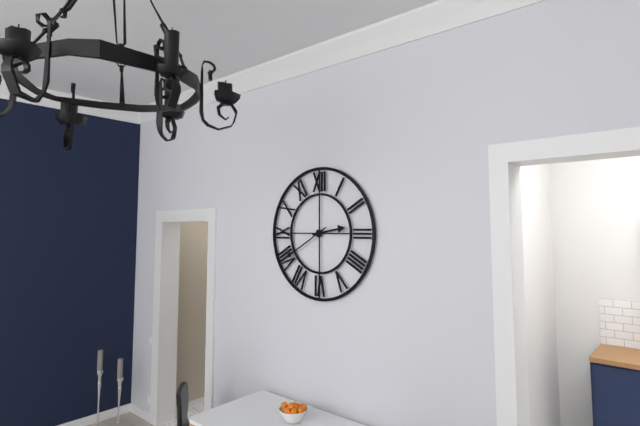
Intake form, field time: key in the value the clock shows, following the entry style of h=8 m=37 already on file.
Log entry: h=2 m=40
